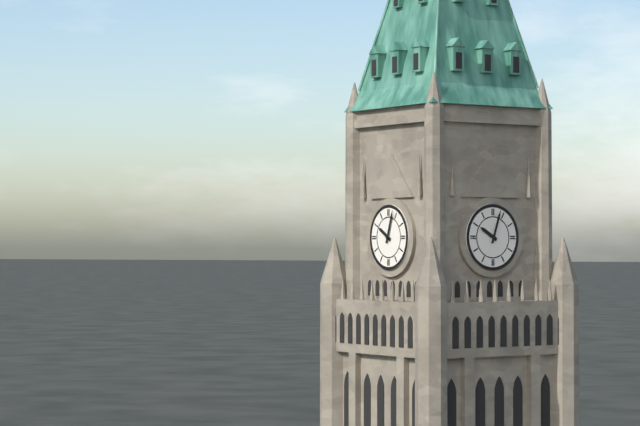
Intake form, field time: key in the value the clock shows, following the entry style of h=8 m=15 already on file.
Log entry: h=10 m=3
